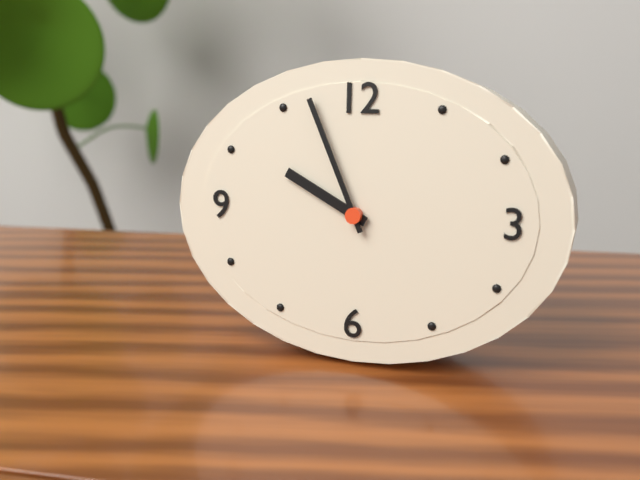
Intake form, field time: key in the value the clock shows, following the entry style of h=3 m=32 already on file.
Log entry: h=9 m=56
